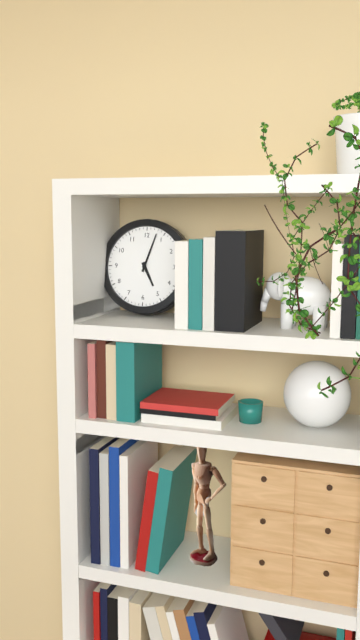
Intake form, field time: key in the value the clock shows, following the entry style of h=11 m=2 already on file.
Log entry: h=5 m=3
